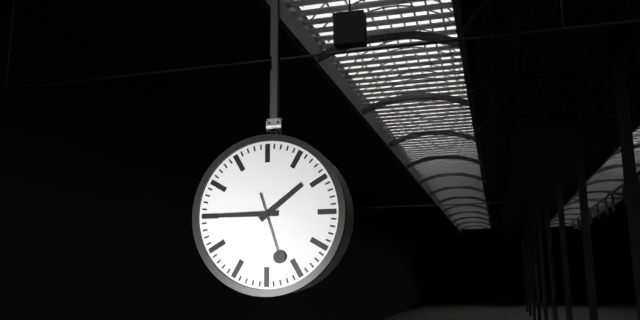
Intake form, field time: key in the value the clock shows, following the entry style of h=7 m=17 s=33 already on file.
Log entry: h=1 m=45 s=27
